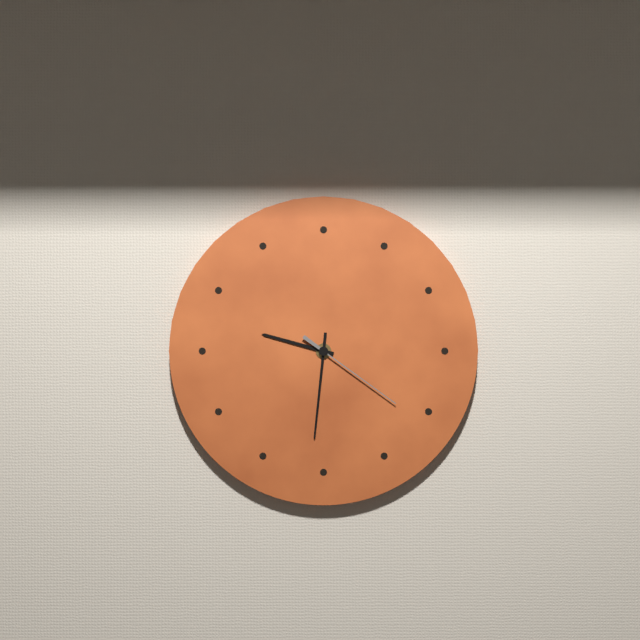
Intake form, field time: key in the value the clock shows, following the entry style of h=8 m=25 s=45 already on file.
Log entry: h=9 m=31 s=21
